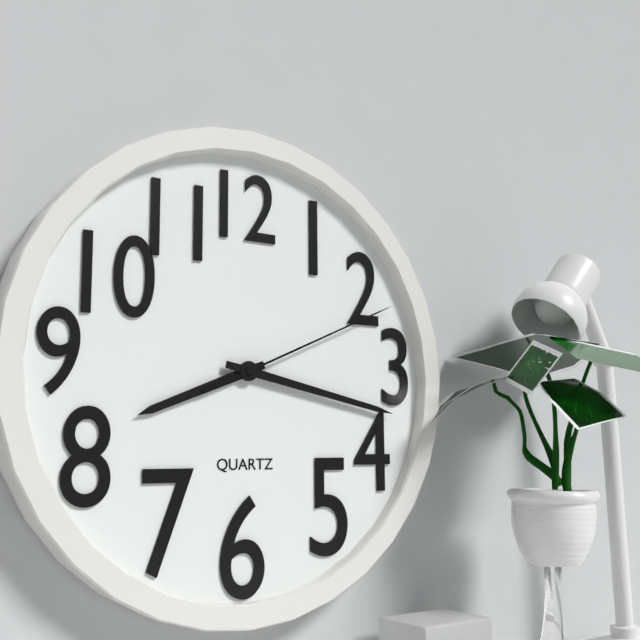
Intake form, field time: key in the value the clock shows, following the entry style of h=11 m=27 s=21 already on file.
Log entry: h=8 m=17 s=11
